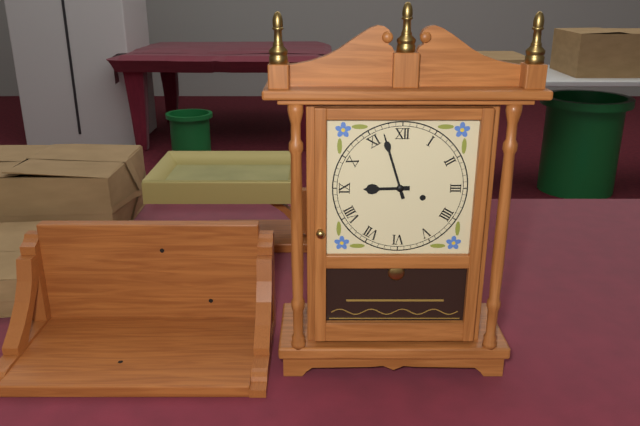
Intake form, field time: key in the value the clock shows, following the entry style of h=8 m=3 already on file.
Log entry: h=8 m=57
